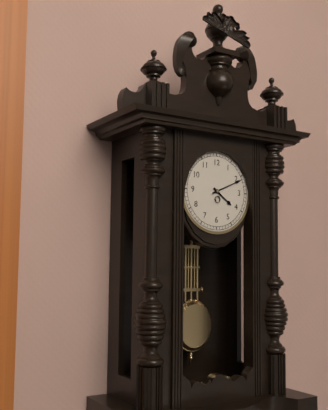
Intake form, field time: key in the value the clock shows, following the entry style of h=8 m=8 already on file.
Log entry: h=4 m=11
